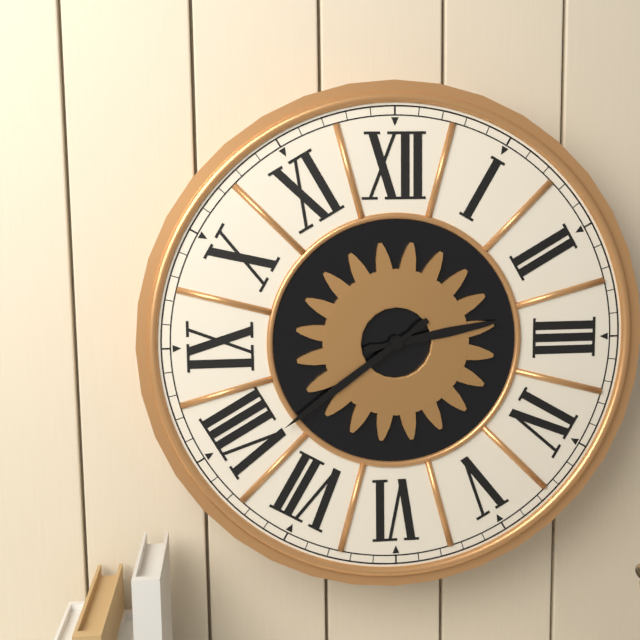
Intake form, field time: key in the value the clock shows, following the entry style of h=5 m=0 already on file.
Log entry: h=2 m=39
